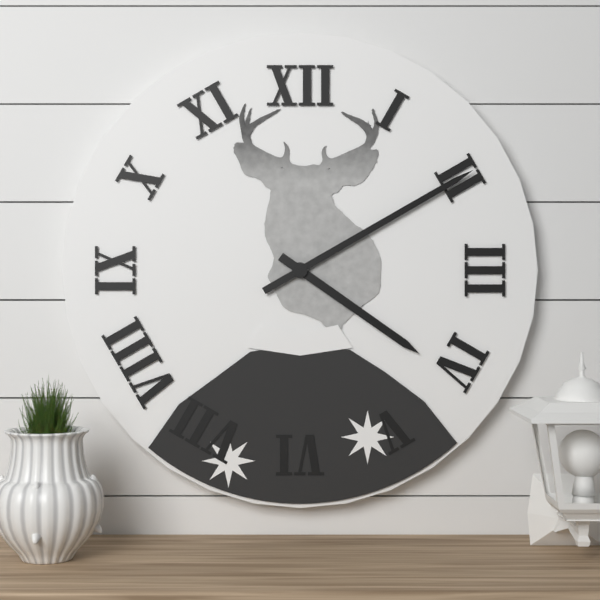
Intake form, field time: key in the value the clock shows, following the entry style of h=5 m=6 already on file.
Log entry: h=4 m=10
